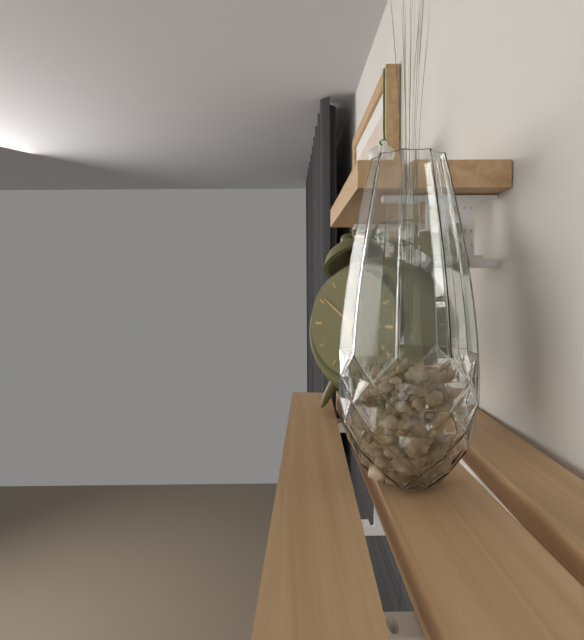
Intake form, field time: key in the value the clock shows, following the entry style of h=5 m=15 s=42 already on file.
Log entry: h=12 m=51 s=24
